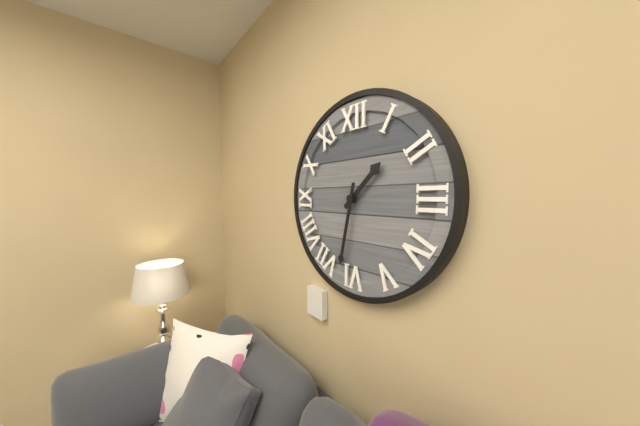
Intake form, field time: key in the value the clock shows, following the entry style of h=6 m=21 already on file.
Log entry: h=1 m=32
